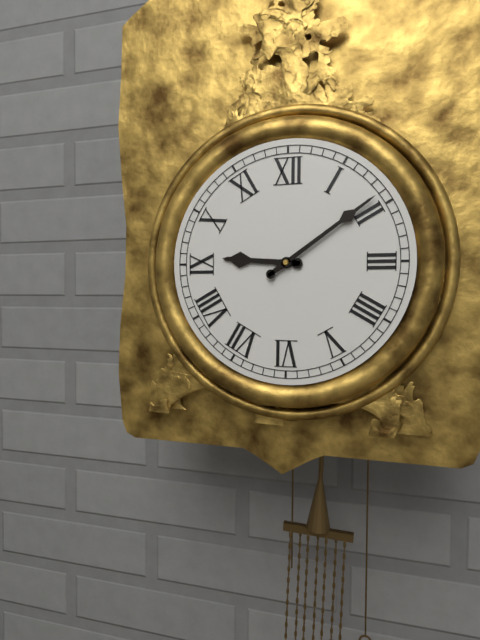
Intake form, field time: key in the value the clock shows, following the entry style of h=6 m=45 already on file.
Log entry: h=9 m=9
